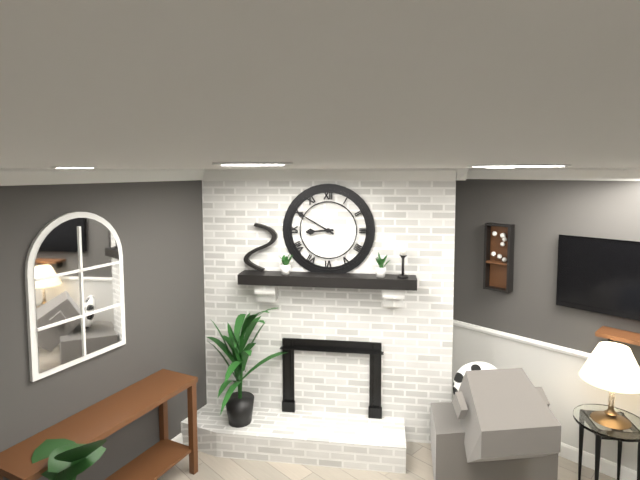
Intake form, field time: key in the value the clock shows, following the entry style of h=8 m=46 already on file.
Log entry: h=8 m=50
